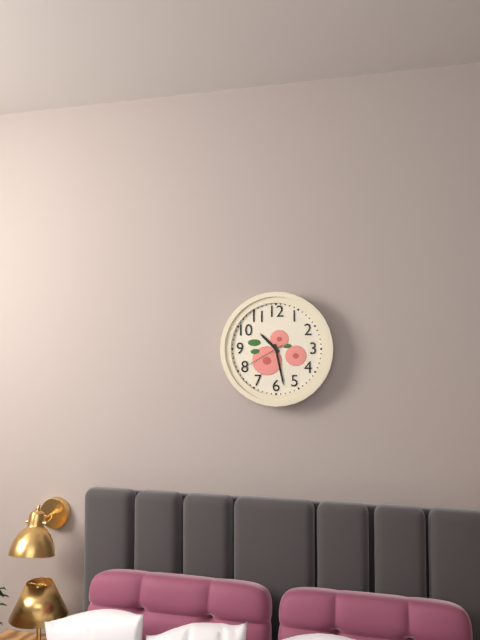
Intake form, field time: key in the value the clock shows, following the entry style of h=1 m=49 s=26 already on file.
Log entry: h=10 m=28 s=40
